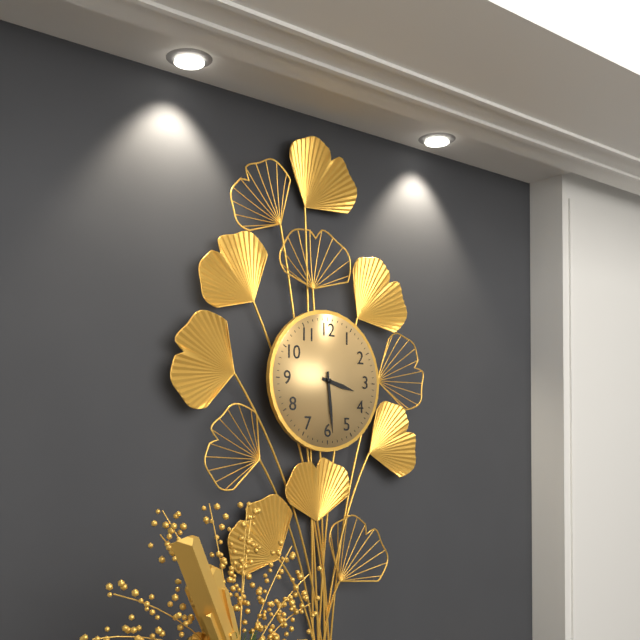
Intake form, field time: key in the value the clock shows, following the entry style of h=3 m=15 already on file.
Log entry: h=3 m=29
